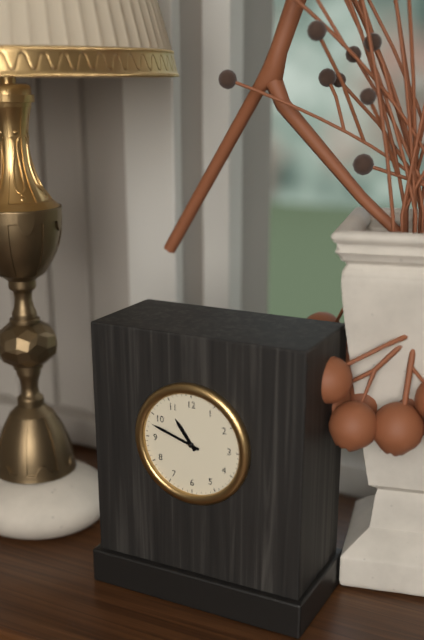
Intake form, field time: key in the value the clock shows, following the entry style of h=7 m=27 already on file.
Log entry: h=10 m=48
